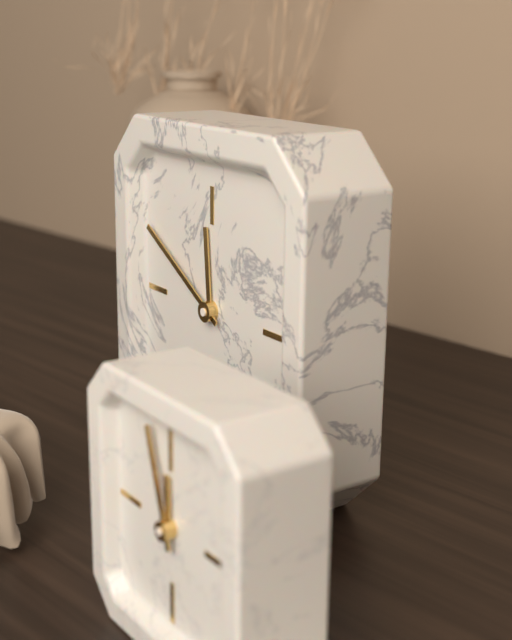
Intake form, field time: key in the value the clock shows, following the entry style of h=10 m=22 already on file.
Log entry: h=11 m=50
